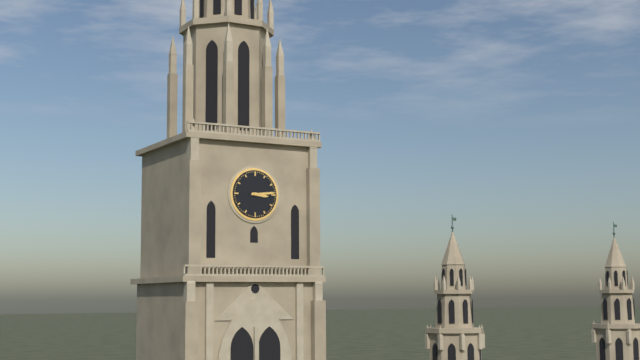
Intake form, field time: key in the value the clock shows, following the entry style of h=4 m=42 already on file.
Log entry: h=3 m=14
